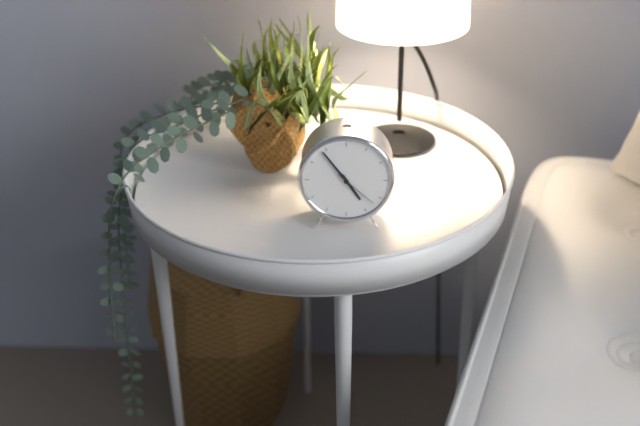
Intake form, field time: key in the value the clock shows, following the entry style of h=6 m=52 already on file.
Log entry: h=4 m=54
